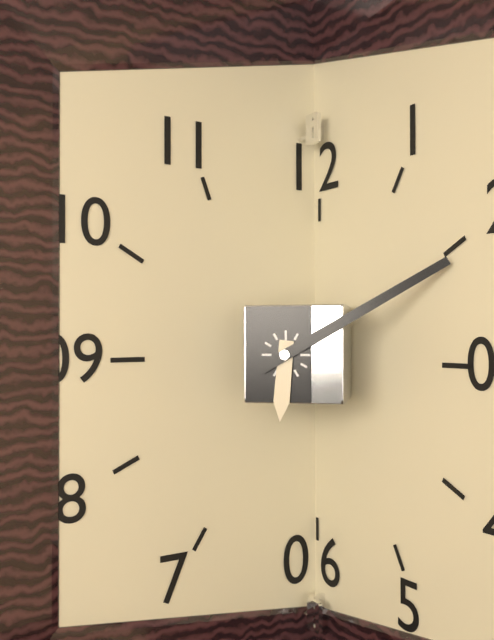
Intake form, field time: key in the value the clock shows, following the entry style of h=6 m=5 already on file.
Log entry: h=6 m=10
